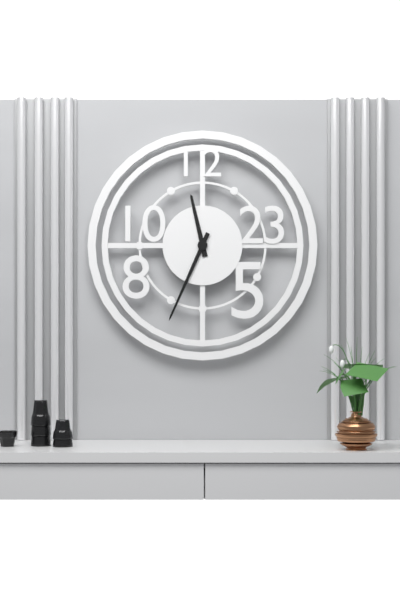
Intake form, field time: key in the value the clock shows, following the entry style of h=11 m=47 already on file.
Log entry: h=11 m=34
